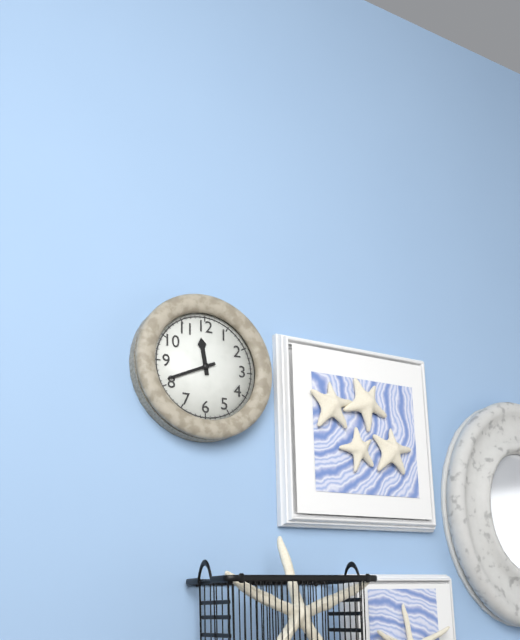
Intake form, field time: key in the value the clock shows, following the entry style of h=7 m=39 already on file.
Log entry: h=11 m=41
